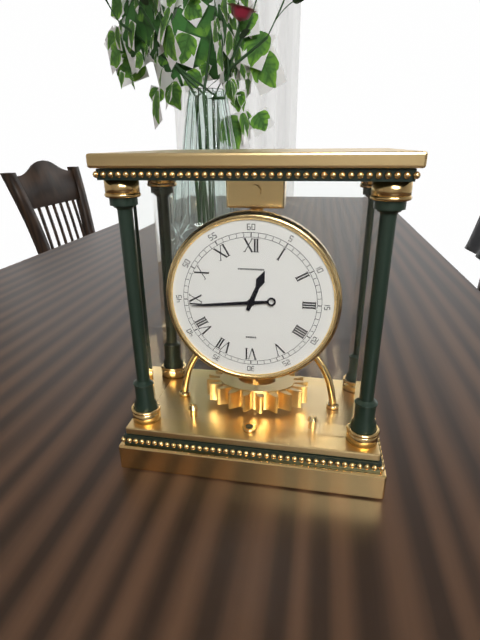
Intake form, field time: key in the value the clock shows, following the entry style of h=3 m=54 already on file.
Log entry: h=12 m=44
